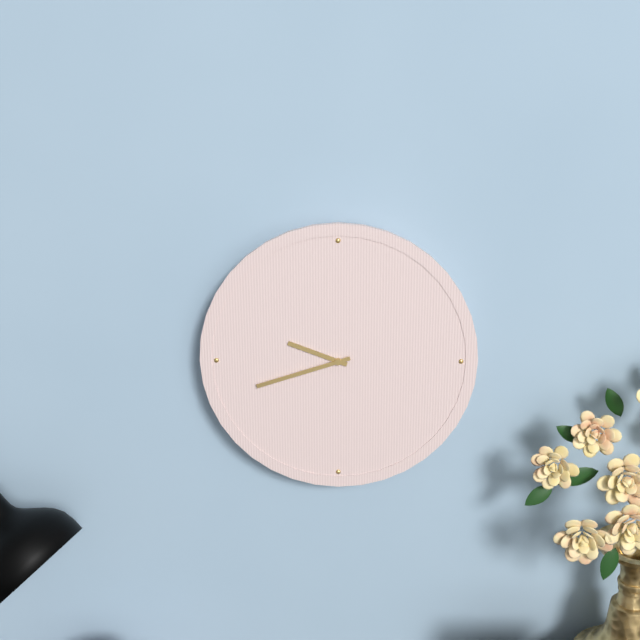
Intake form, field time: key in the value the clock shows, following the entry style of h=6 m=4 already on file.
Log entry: h=9 m=42
